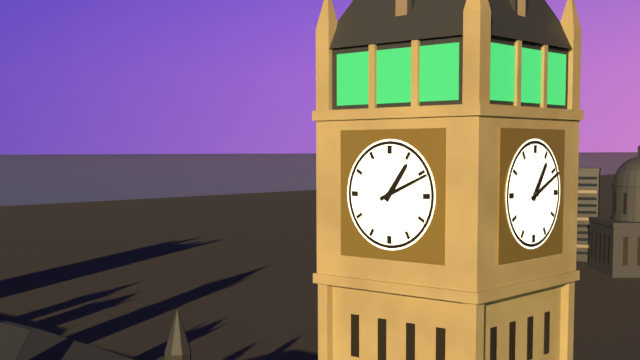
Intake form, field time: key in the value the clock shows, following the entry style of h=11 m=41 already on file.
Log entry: h=1 m=11
